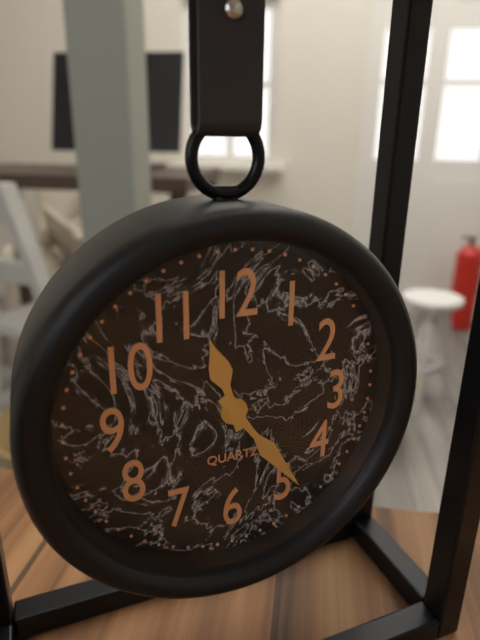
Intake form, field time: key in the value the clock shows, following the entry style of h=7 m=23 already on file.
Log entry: h=11 m=24
